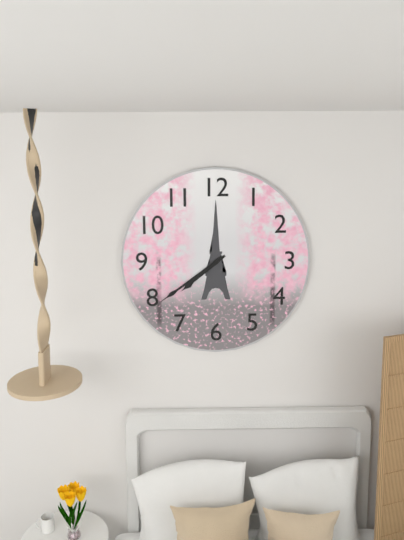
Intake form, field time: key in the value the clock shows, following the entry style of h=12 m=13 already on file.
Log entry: h=7 m=39
